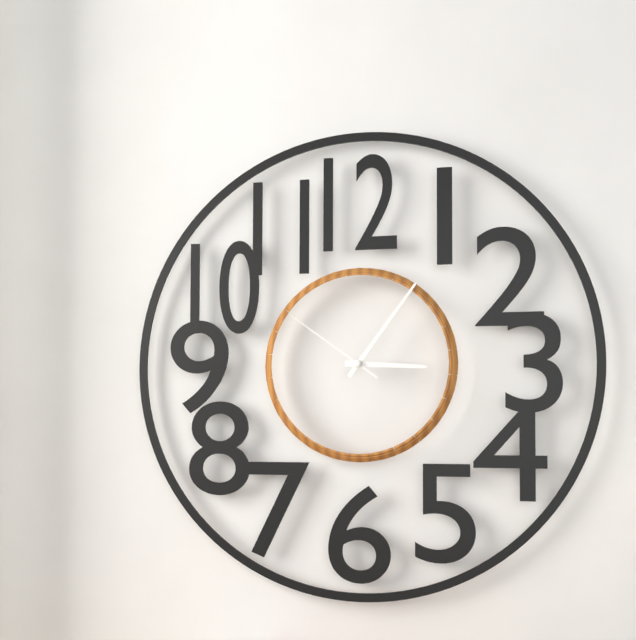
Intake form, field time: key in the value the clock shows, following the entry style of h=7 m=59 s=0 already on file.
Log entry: h=3 m=6 s=51
